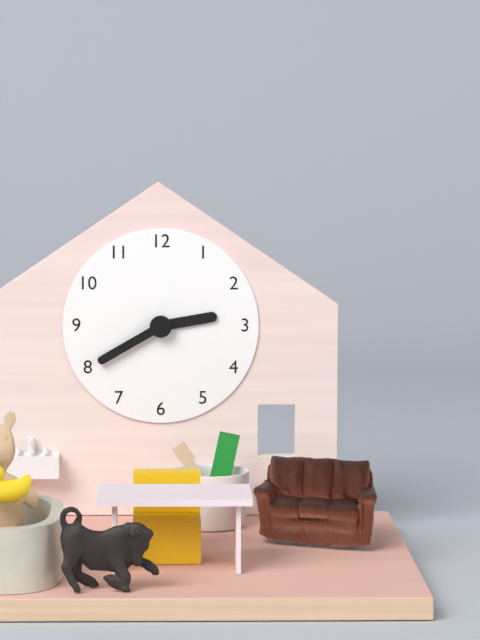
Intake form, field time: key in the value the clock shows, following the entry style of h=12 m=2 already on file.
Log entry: h=2 m=40
